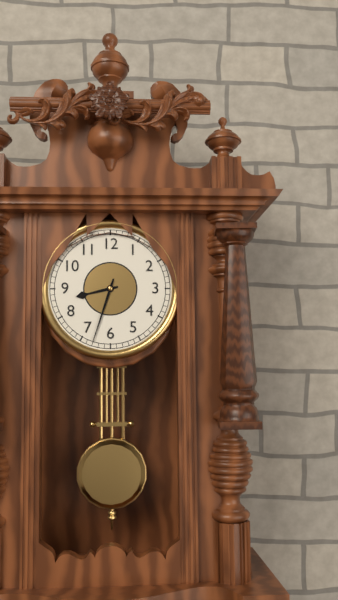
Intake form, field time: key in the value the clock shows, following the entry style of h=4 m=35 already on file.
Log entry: h=8 m=33
